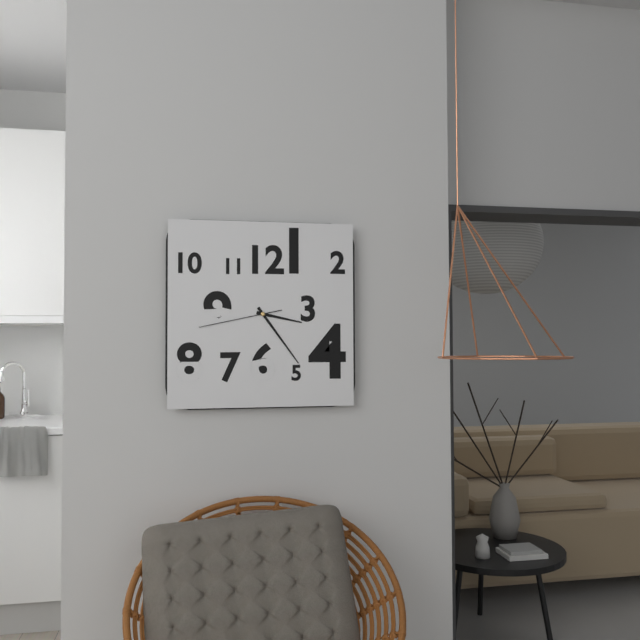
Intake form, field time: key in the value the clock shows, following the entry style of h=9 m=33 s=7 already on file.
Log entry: h=3 m=24 s=43
